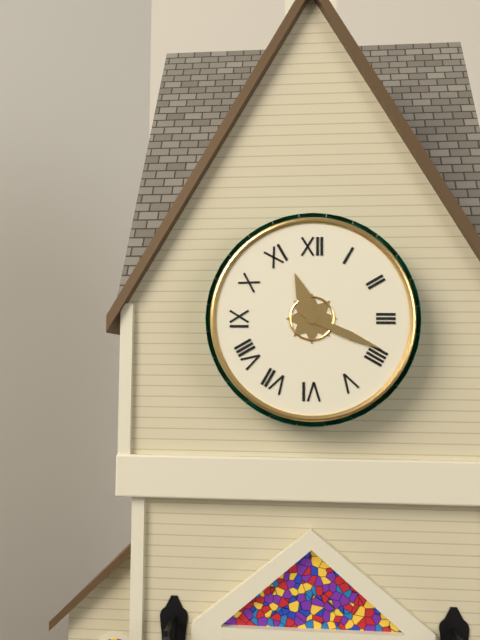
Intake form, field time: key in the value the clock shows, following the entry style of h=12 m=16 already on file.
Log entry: h=11 m=19
